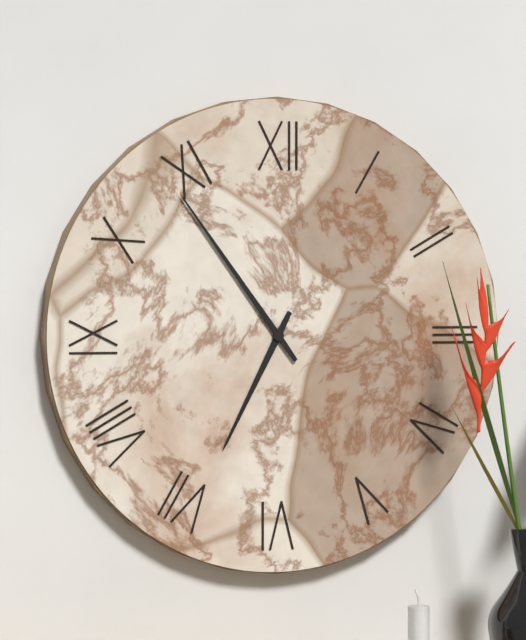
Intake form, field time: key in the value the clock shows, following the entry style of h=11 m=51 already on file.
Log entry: h=6 m=54
